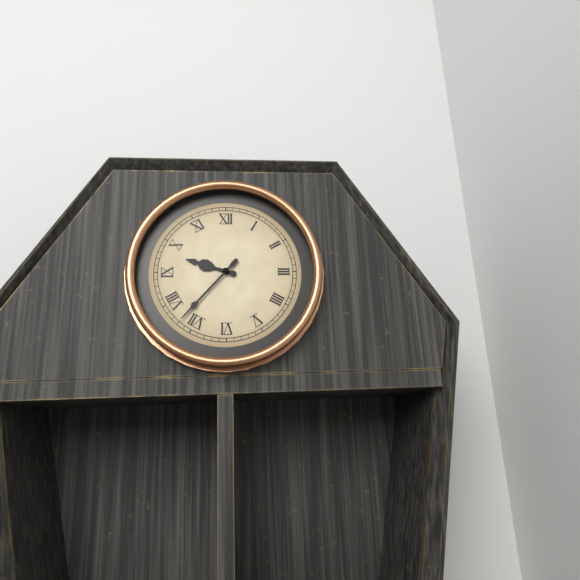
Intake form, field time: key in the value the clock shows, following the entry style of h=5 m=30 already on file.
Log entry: h=9 m=37
